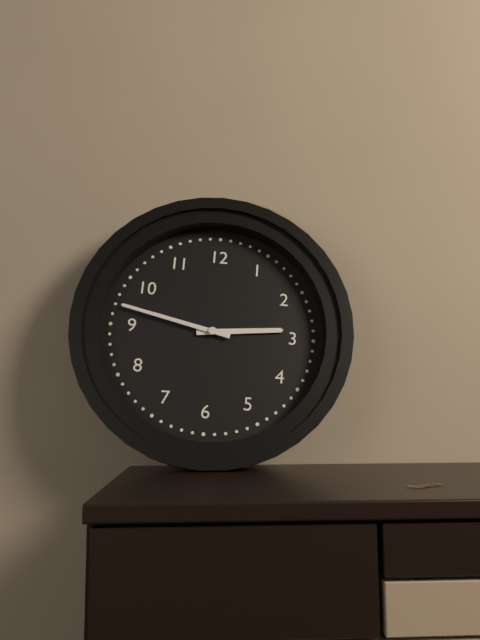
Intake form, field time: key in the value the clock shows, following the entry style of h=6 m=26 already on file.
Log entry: h=2 m=47
